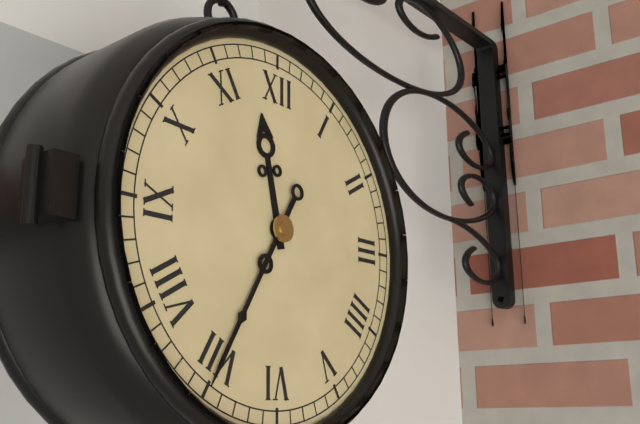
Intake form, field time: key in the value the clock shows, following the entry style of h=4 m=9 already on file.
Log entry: h=11 m=35
